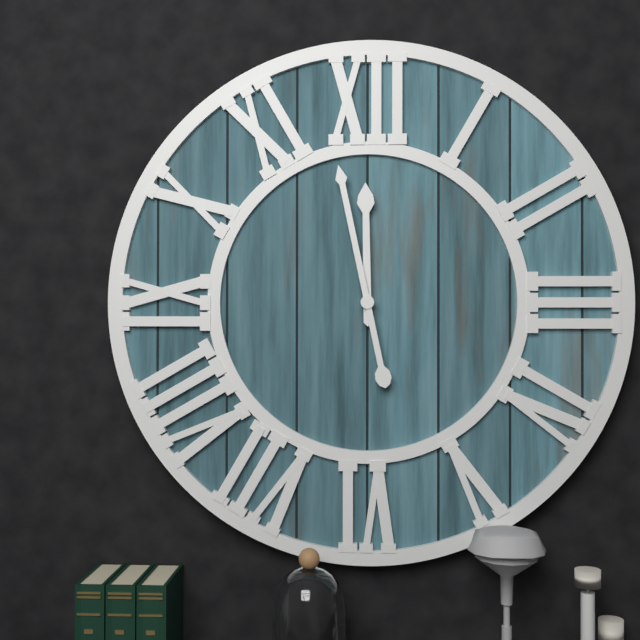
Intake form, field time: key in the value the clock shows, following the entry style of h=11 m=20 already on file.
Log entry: h=11 m=58
